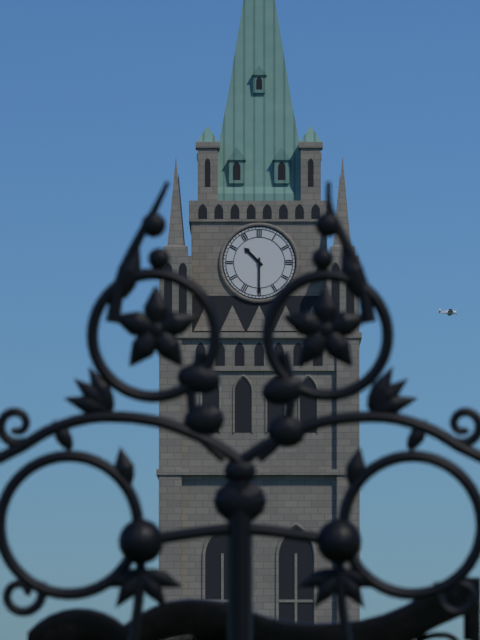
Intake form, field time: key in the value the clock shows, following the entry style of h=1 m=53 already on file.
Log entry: h=10 m=30
